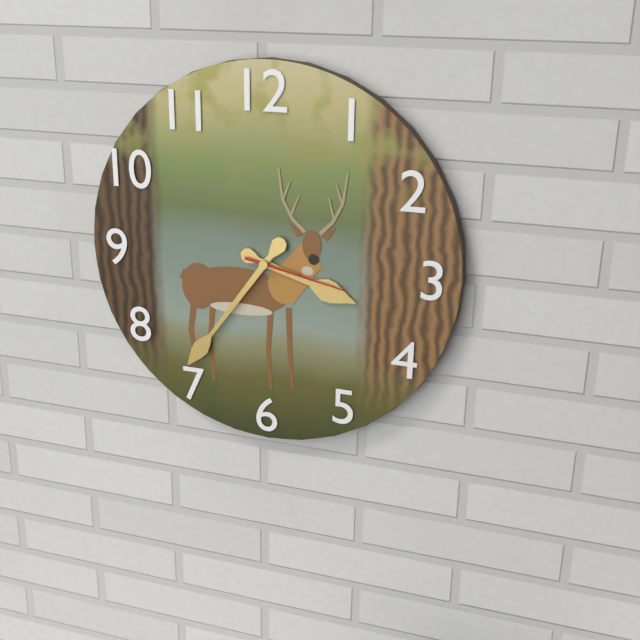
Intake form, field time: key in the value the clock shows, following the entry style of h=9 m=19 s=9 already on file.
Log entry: h=3 m=36 s=17
